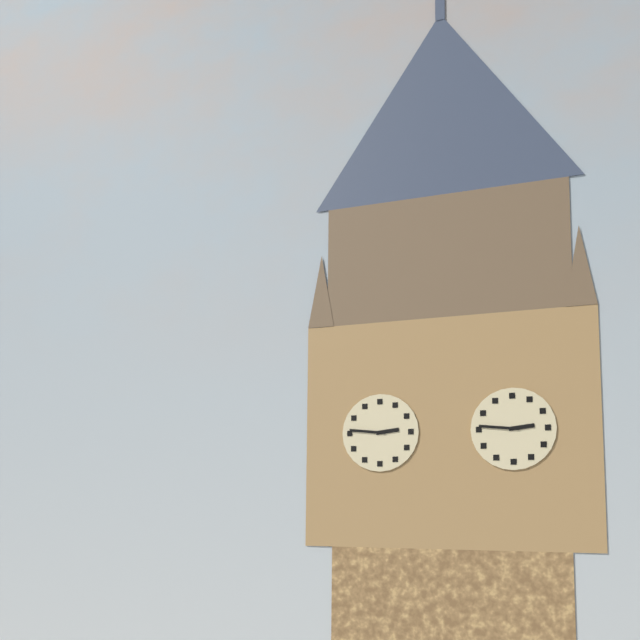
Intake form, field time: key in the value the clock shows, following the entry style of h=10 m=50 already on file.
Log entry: h=2 m=46
